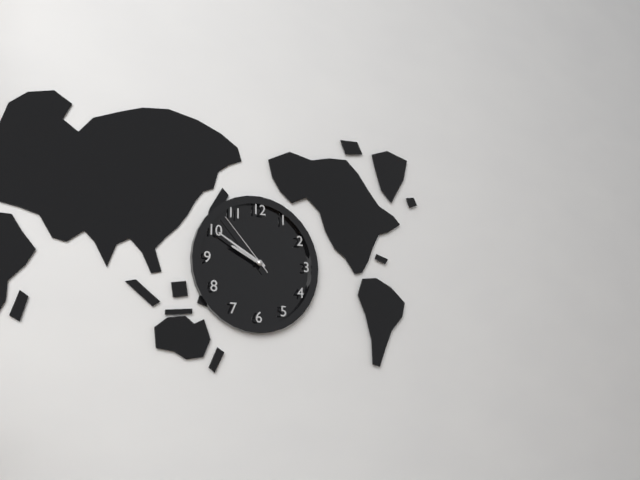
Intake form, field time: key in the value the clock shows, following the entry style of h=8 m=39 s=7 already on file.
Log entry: h=9 m=50 s=53
